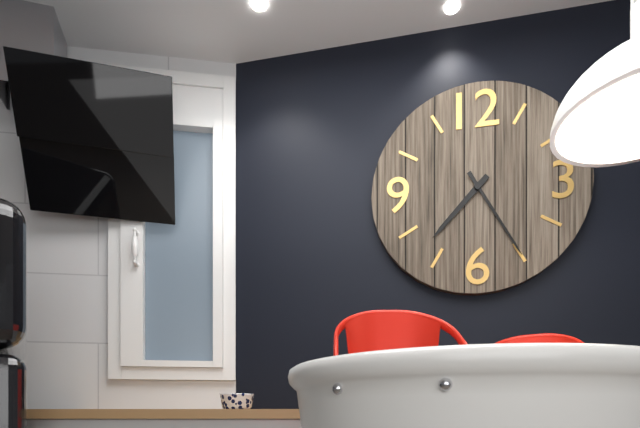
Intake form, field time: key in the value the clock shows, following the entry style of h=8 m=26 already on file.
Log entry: h=7 m=25
